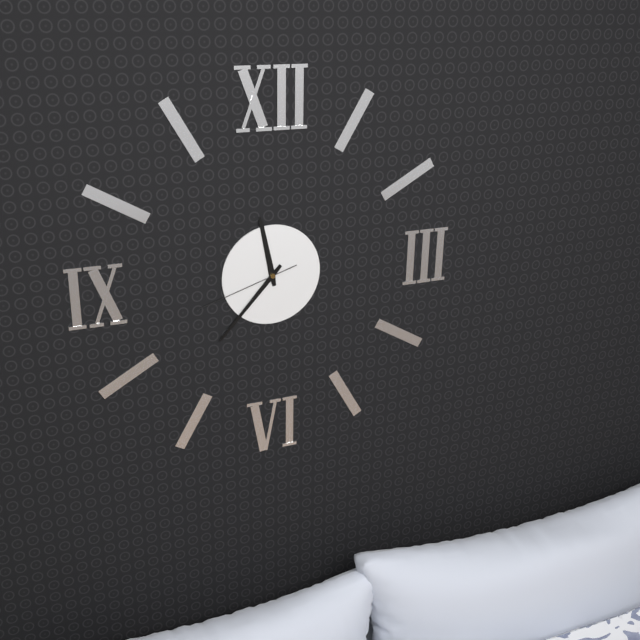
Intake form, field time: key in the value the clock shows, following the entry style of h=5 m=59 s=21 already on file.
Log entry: h=11 m=37 s=42
